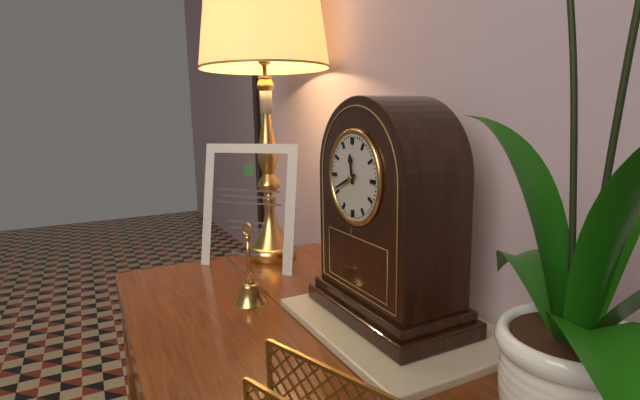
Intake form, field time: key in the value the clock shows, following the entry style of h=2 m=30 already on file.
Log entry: h=11 m=41
